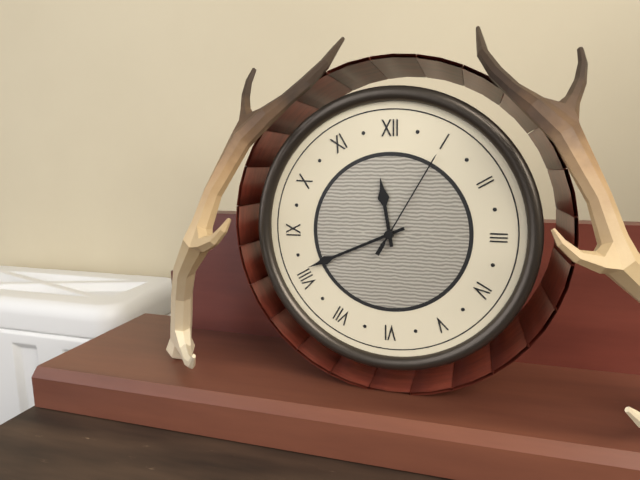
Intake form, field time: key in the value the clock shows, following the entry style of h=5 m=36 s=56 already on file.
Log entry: h=11 m=41 s=5
